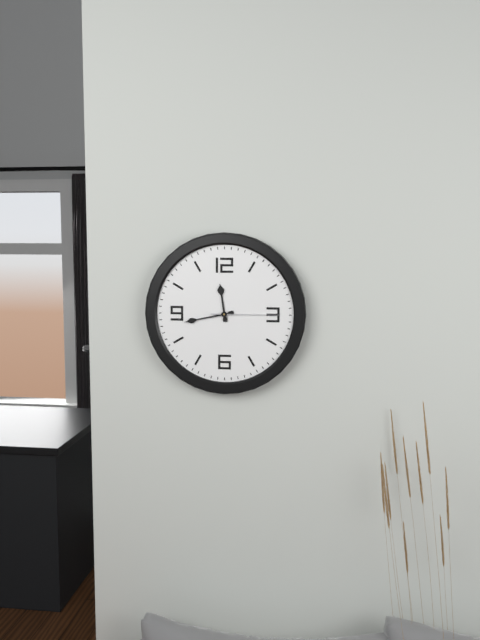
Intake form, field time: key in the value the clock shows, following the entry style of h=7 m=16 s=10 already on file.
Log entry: h=11 m=43 s=15
